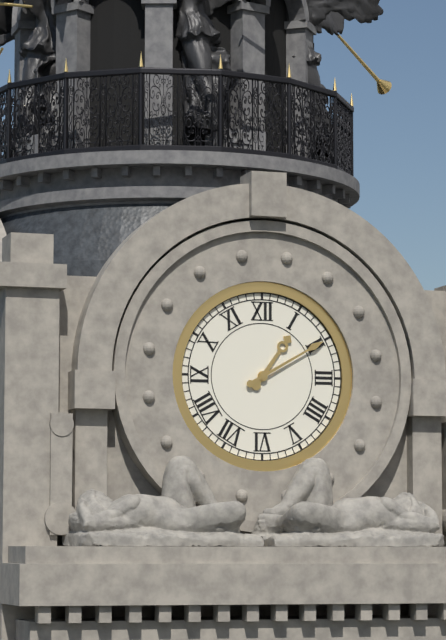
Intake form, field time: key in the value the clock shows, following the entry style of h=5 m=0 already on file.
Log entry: h=1 m=10
